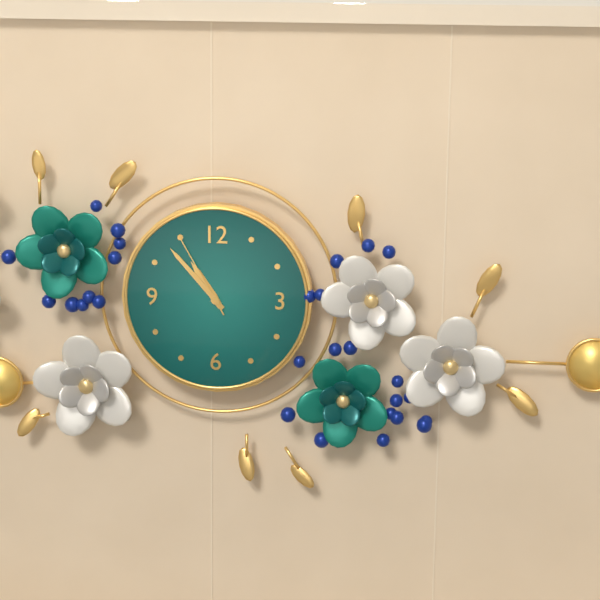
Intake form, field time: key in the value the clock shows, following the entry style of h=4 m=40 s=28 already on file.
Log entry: h=10 m=53 s=55
